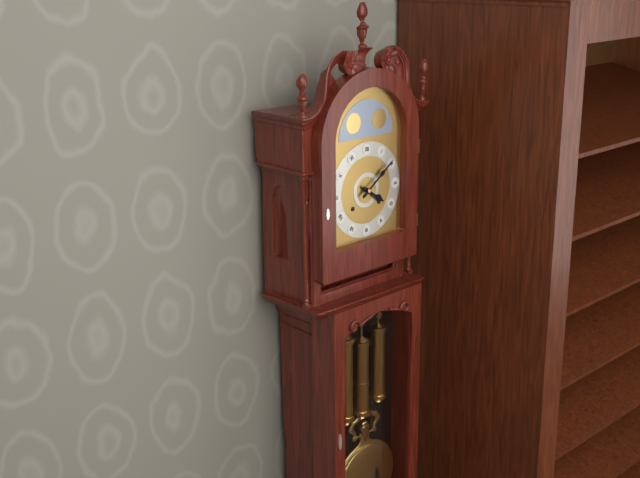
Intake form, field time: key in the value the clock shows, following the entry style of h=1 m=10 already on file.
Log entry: h=4 m=9
